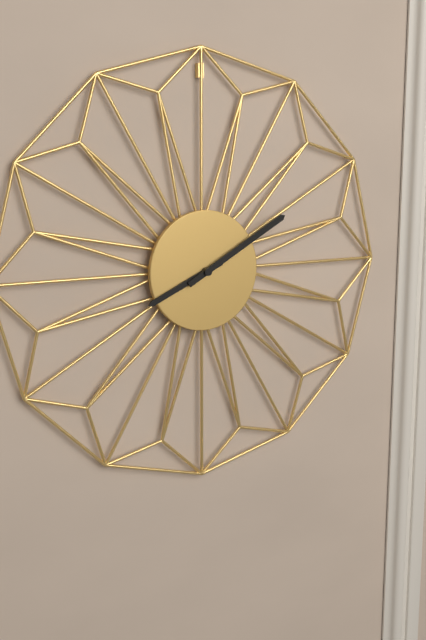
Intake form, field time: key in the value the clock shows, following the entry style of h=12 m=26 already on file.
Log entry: h=8 m=10
